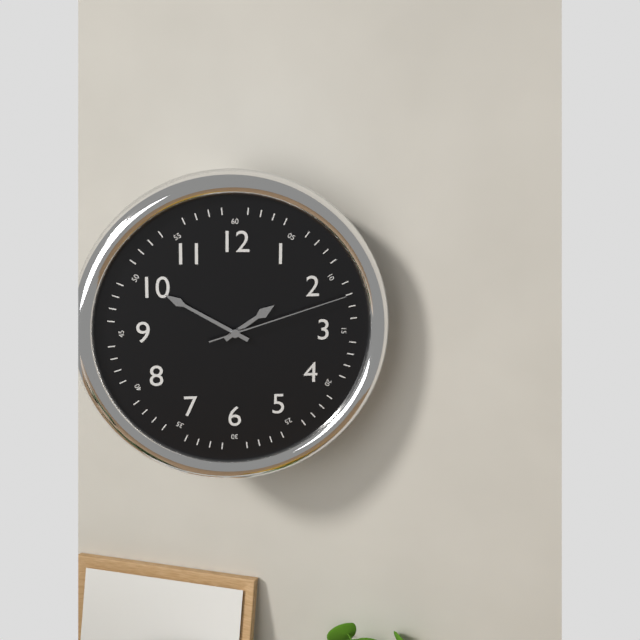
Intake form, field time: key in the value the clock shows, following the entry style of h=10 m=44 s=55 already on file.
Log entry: h=1 m=50 s=12
